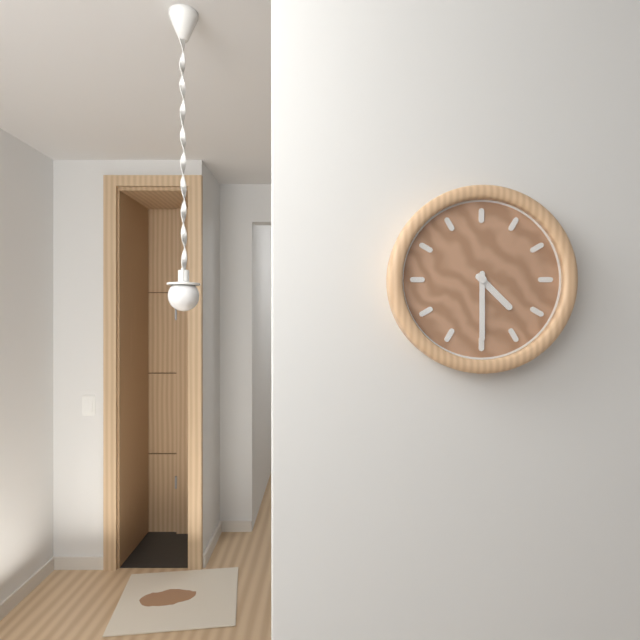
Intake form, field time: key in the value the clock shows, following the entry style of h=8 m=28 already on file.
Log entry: h=4 m=30
